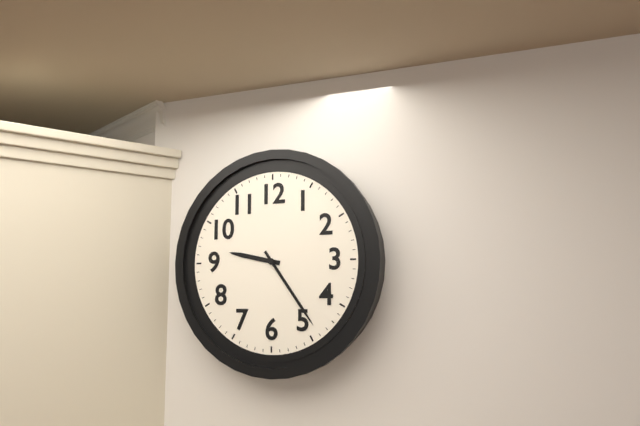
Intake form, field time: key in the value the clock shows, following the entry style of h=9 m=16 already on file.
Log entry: h=9 m=24
